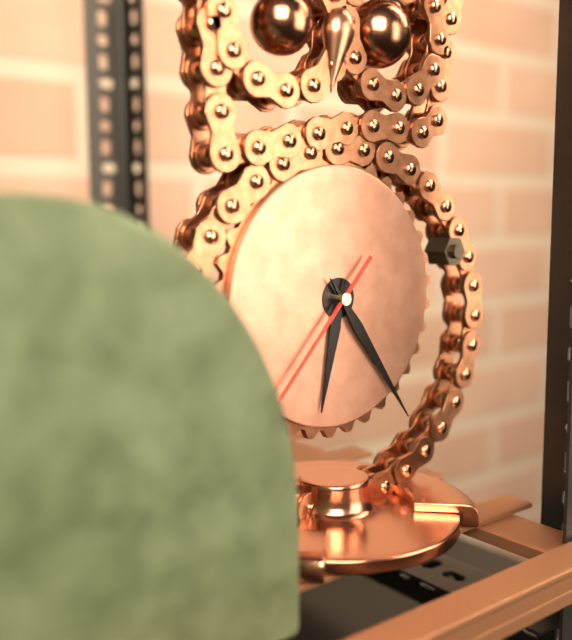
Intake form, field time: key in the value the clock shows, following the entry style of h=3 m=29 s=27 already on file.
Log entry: h=6 m=24 s=37
